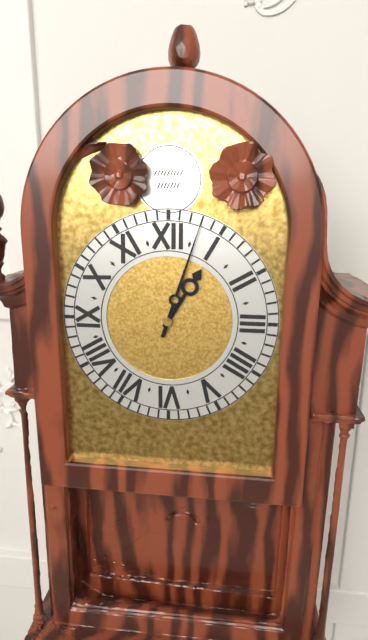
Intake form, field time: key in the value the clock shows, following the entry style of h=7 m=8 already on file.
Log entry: h=1 m=3
